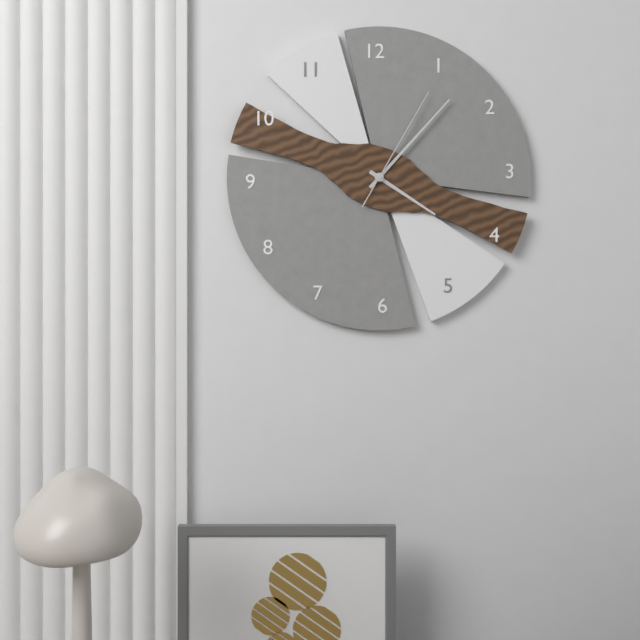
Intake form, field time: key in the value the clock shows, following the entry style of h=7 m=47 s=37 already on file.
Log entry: h=4 m=7 s=5
